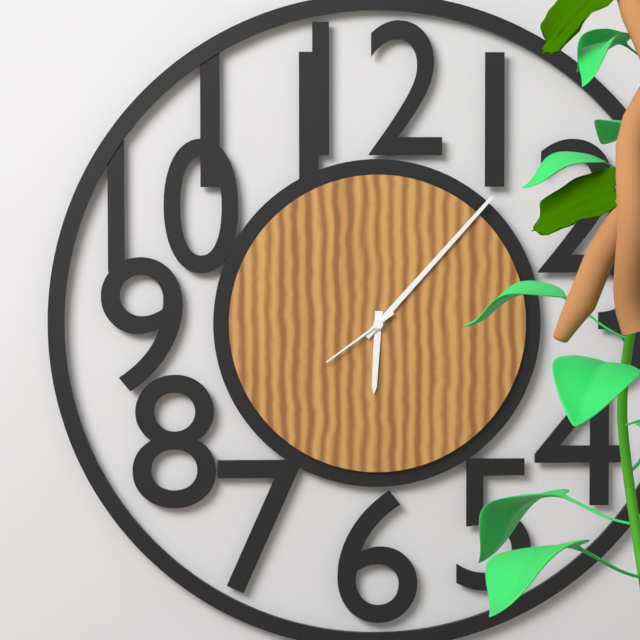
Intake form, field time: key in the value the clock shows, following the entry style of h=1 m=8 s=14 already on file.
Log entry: h=6 m=7 s=39
